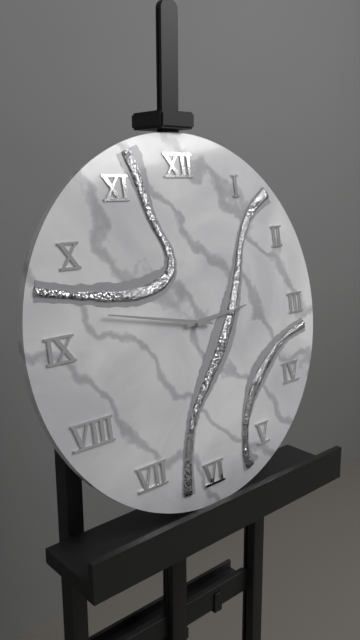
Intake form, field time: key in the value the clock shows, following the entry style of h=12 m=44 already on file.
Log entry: h=2 m=47
